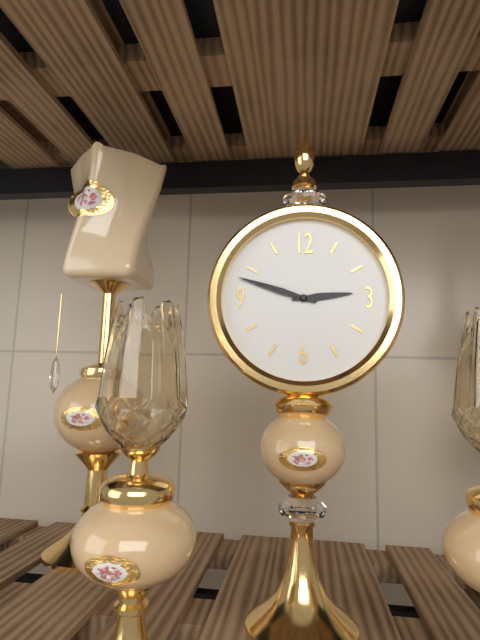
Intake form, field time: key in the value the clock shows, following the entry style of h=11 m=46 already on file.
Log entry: h=2 m=48
